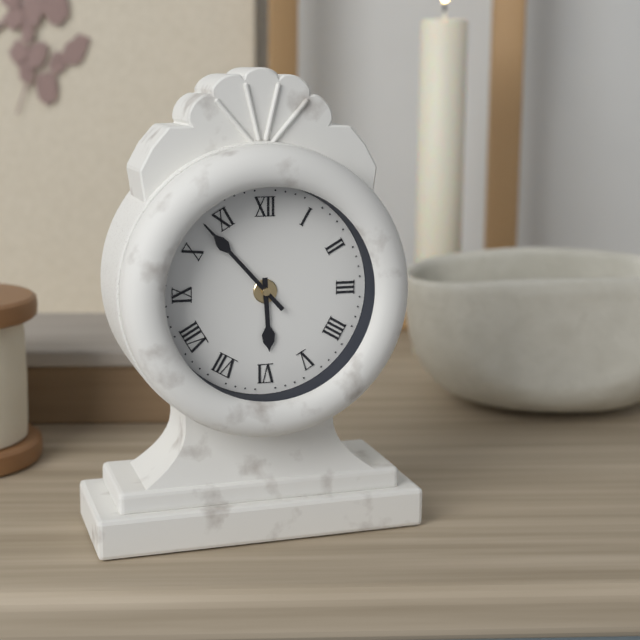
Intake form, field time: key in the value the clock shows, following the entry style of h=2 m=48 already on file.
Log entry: h=5 m=53
